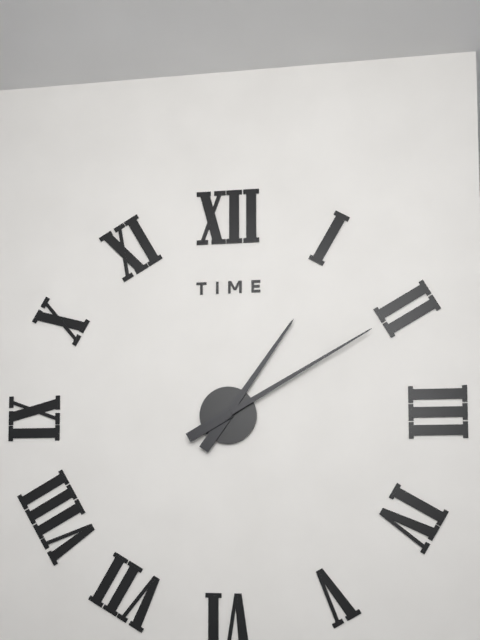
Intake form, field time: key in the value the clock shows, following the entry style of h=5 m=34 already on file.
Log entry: h=1 m=10
